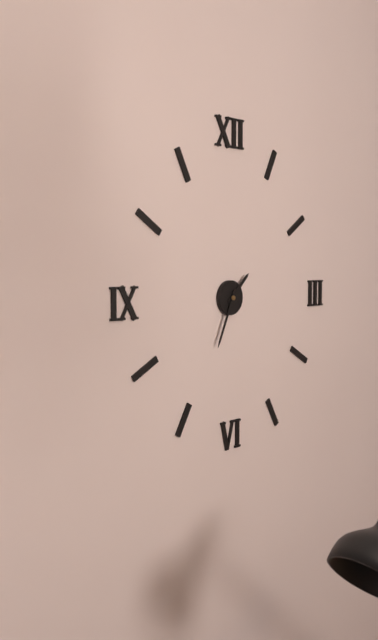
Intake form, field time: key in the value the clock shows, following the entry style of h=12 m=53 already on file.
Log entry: h=1 m=34
